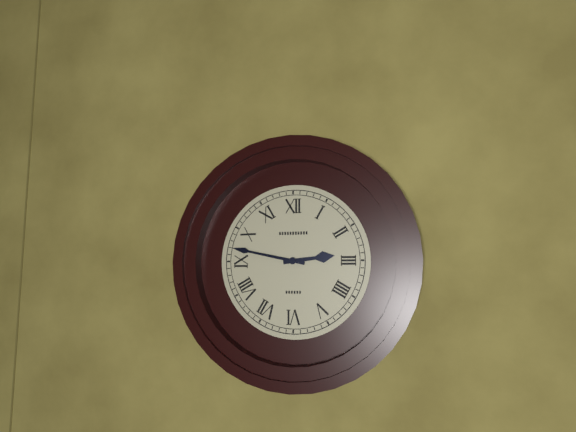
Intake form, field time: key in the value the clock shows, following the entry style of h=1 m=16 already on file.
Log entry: h=2 m=47
